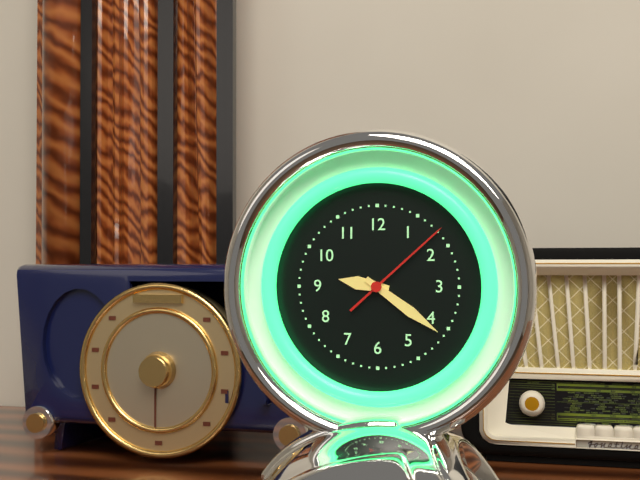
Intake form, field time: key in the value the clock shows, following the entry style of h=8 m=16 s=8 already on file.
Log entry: h=9 m=21 s=8
